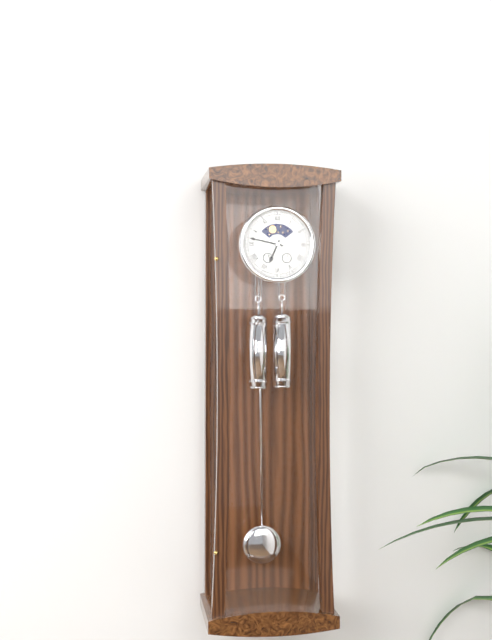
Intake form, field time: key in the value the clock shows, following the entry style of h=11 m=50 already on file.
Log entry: h=6 m=47
